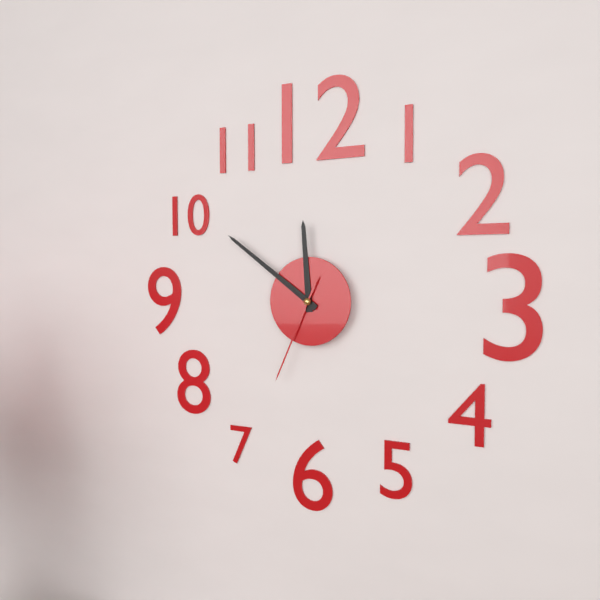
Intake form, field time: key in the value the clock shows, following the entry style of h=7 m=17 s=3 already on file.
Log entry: h=11 m=51 s=34
